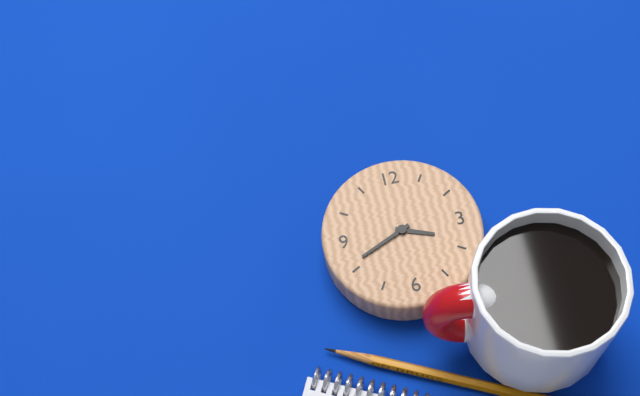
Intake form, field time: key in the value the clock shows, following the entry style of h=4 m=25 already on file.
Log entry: h=3 m=41
